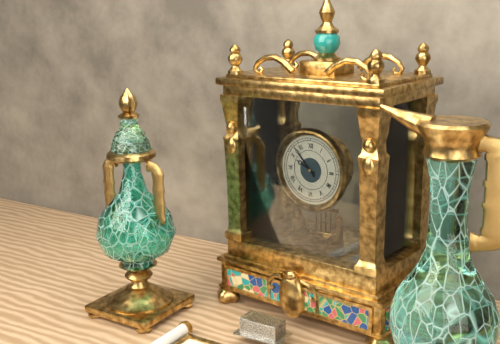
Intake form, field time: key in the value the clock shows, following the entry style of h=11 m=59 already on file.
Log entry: h=9 m=53
